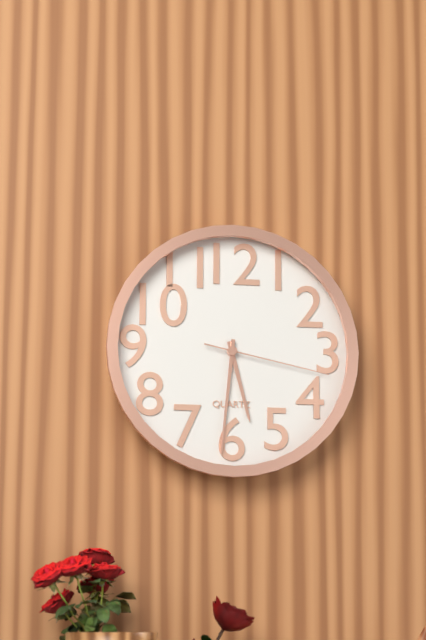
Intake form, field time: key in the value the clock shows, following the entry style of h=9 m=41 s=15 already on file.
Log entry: h=5 m=31 s=17
